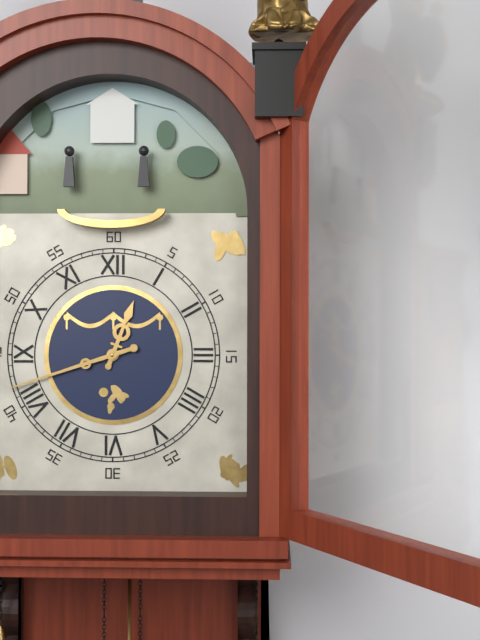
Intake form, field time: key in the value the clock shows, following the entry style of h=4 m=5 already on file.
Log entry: h=12 m=42
